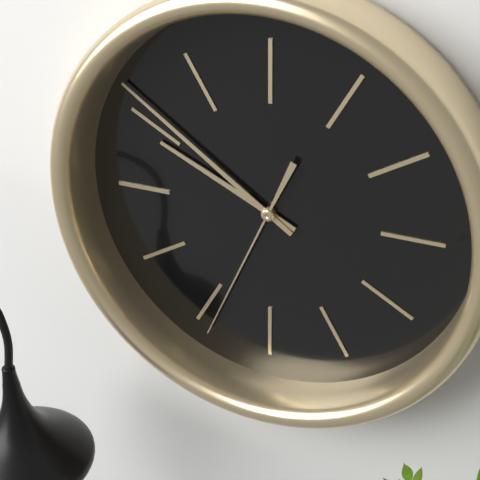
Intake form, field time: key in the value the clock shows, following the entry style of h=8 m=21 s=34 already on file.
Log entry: h=9 m=51 s=34
